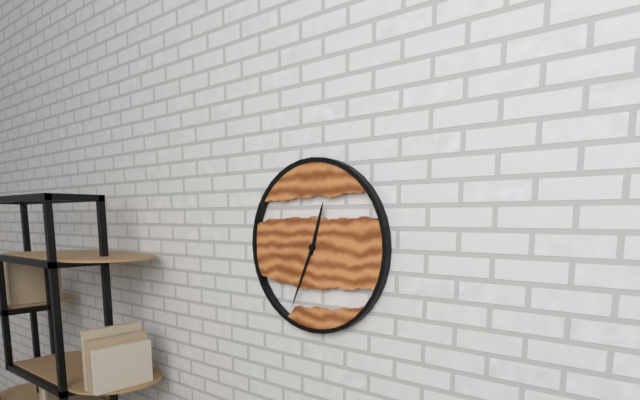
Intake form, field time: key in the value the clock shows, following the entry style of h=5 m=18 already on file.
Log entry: h=12 m=34
